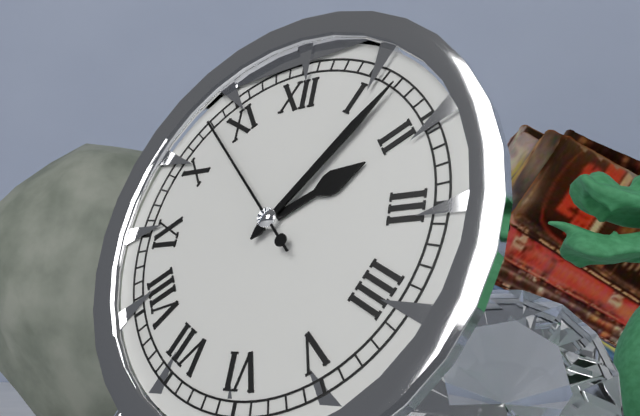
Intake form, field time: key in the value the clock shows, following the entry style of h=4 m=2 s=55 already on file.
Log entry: h=2 m=7 s=53
